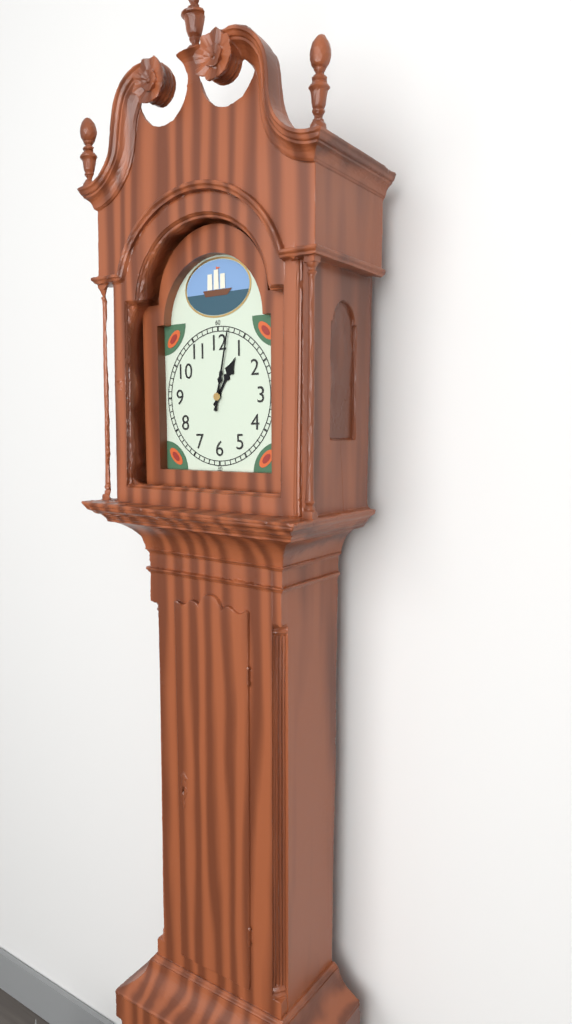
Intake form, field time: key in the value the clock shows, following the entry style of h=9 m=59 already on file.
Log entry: h=1 m=2
